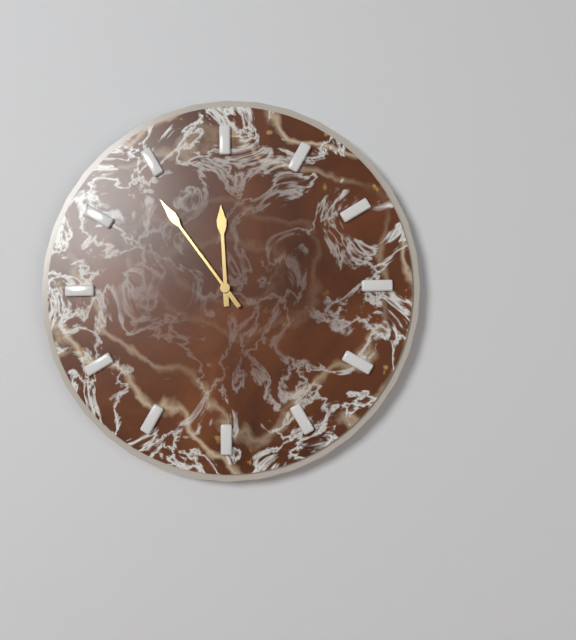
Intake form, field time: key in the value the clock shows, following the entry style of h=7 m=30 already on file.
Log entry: h=11 m=54
